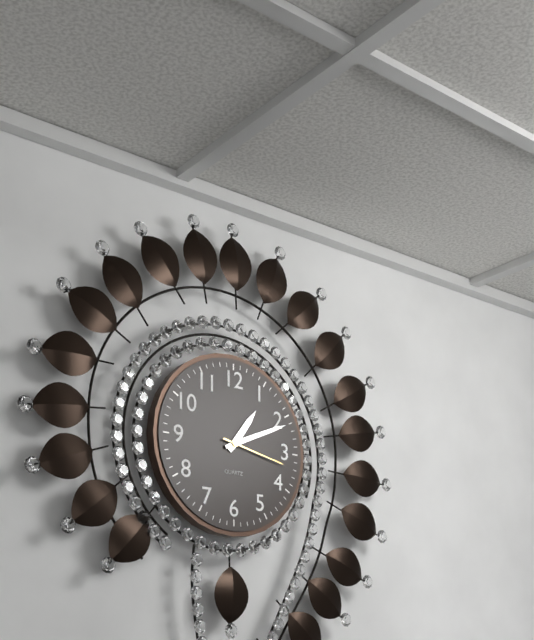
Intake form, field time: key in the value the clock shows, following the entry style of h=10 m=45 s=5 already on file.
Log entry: h=1 m=11 s=17
